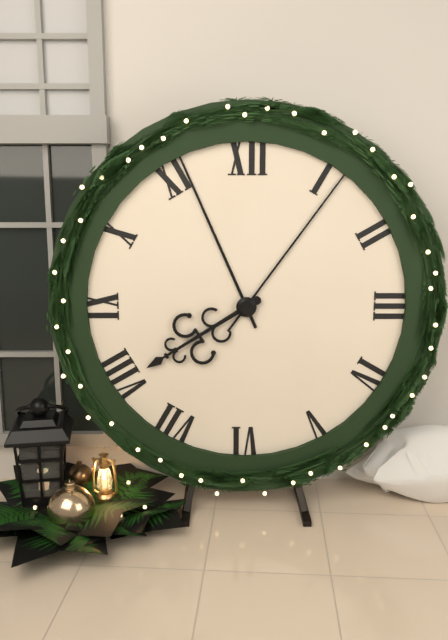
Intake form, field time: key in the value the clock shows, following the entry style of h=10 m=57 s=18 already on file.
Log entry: h=7 m=56 s=6
